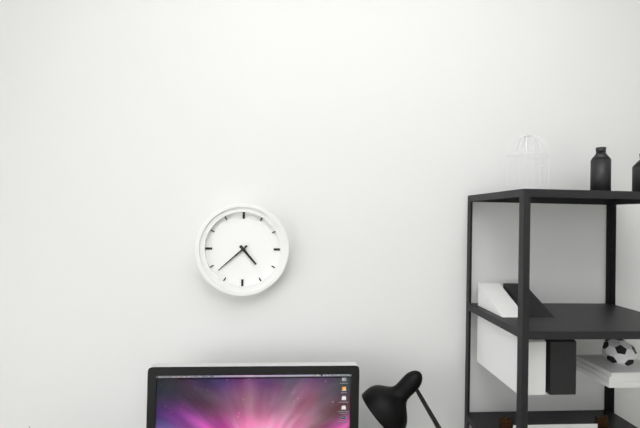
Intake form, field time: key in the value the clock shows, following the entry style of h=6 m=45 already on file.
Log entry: h=4 m=38
